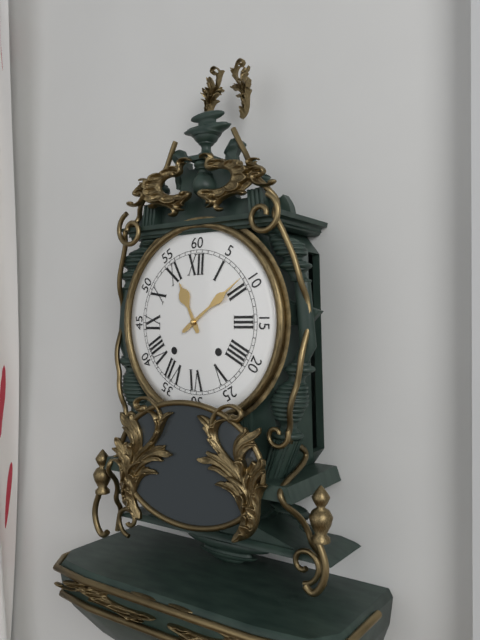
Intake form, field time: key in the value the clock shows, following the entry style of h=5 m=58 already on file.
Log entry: h=11 m=9
